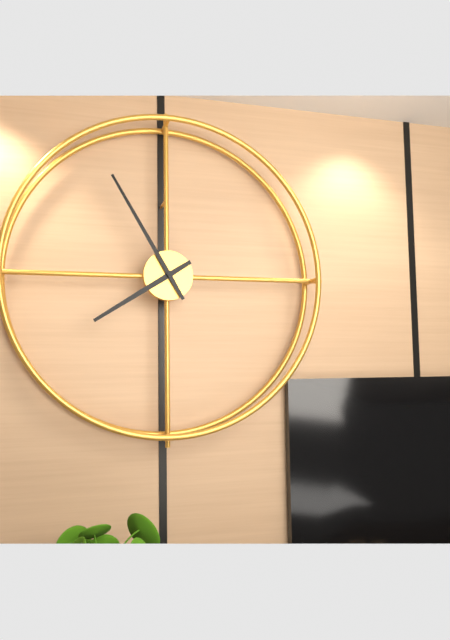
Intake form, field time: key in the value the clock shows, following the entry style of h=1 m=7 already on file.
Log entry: h=7 m=55
